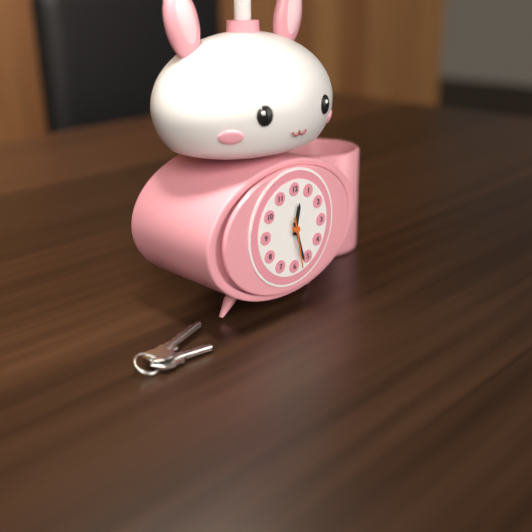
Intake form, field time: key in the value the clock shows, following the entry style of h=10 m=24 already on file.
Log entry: h=12 m=27
